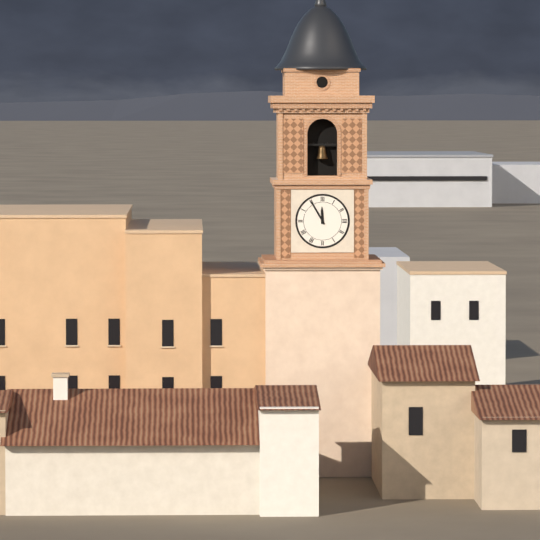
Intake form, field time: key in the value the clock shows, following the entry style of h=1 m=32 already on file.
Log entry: h=11 m=55
